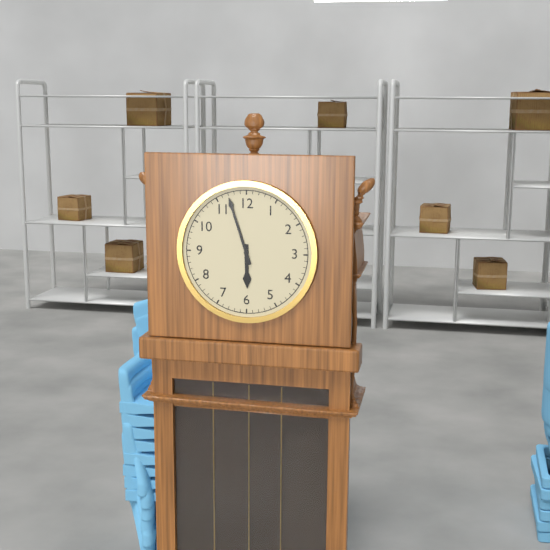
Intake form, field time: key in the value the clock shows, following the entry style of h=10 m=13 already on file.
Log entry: h=5 m=57
